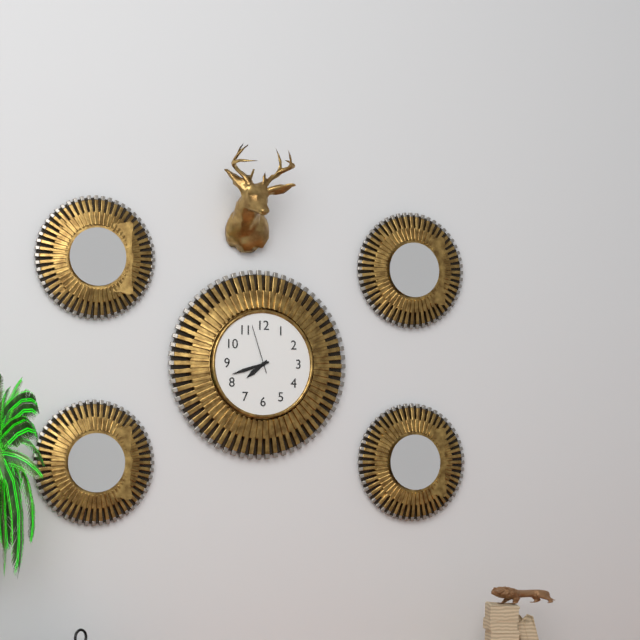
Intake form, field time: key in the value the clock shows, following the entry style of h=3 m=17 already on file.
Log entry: h=7 m=42
